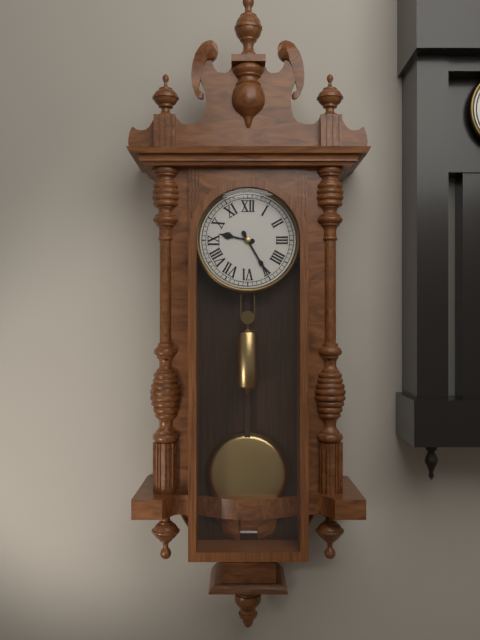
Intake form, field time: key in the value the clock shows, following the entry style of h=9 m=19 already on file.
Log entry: h=9 m=25
